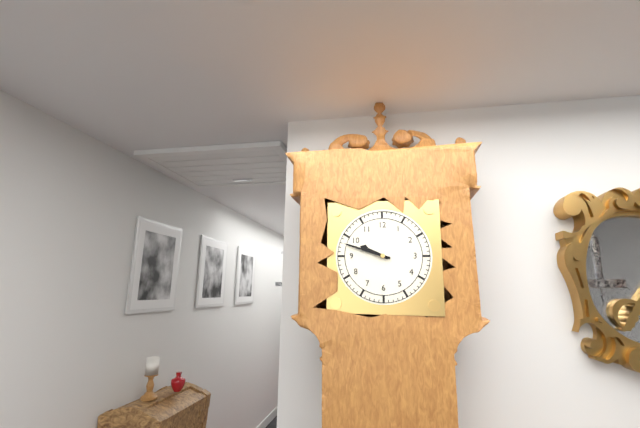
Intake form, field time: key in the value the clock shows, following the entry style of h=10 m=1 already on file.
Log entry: h=9 m=48
